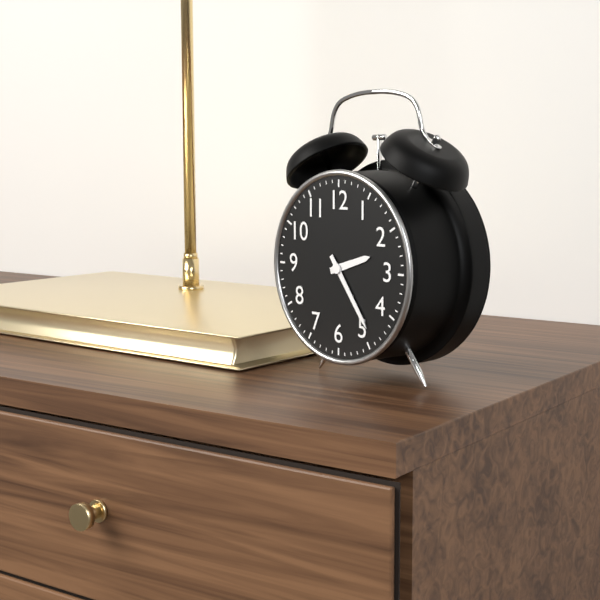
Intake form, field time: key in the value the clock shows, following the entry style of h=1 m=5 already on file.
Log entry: h=2 m=24
